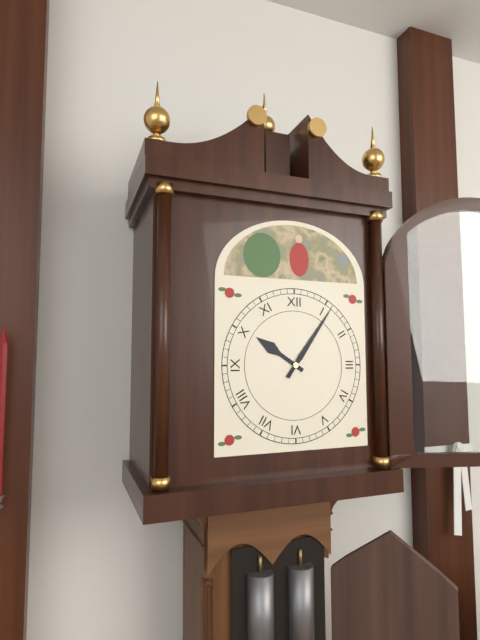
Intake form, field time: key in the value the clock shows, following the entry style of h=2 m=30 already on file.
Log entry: h=10 m=6
